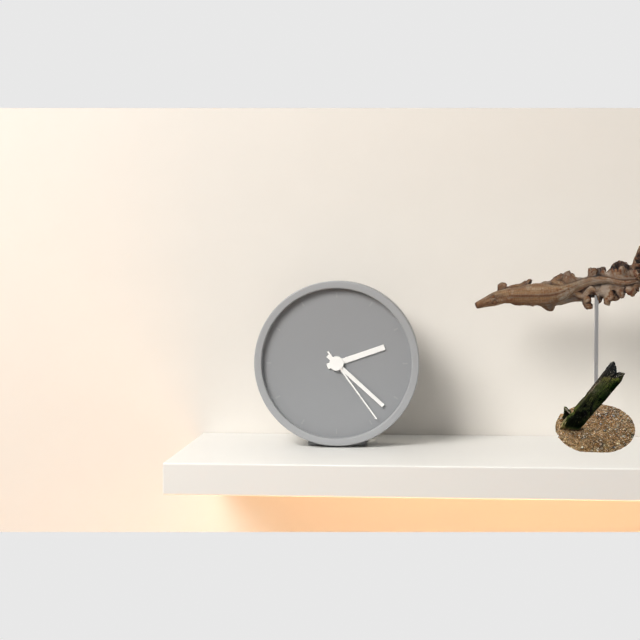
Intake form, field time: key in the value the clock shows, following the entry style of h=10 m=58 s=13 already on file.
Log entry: h=2 m=22 s=24
